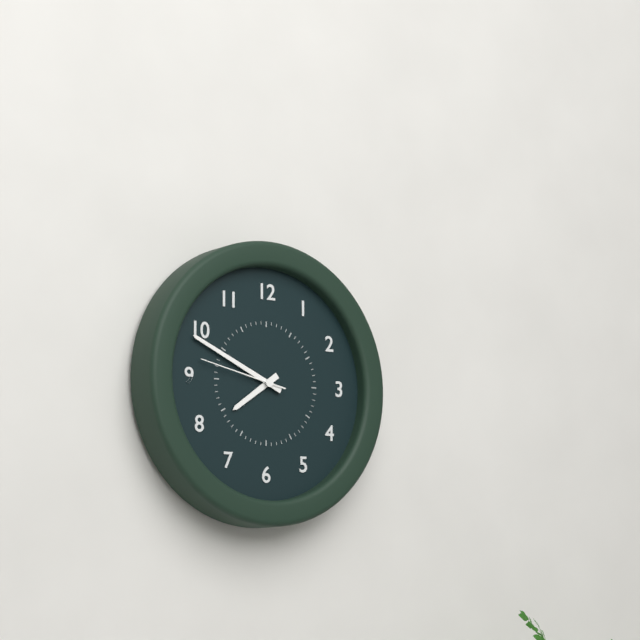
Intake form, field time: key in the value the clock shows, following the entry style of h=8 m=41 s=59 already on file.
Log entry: h=7 m=49 s=47
